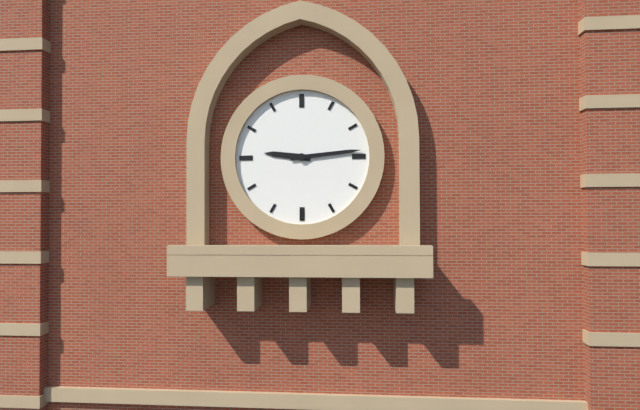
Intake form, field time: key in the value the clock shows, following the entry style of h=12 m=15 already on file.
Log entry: h=9 m=14
